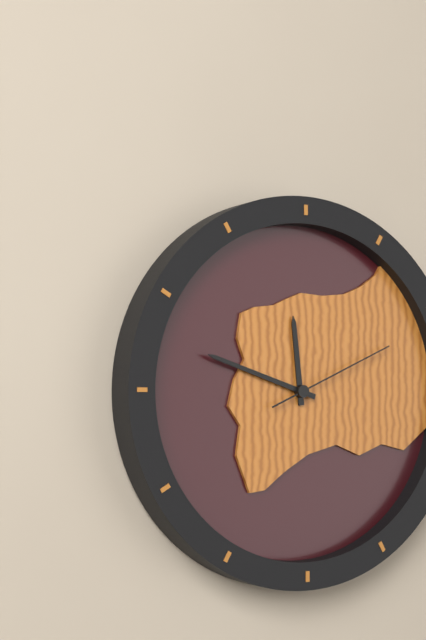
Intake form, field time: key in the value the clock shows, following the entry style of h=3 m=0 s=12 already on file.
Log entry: h=11 m=48 s=11
